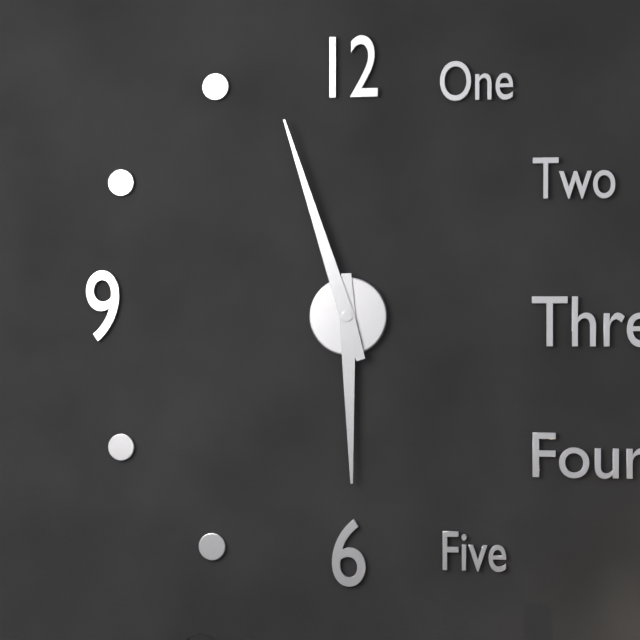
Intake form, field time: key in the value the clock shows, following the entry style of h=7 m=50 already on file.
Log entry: h=5 m=57
